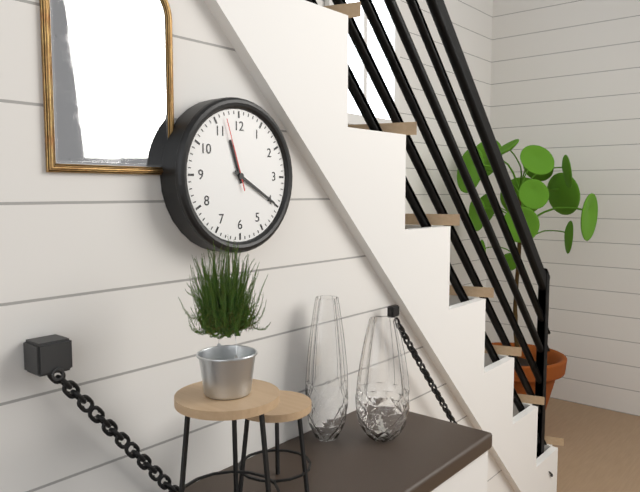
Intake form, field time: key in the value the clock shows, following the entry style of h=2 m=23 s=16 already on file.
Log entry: h=11 m=20 s=57
